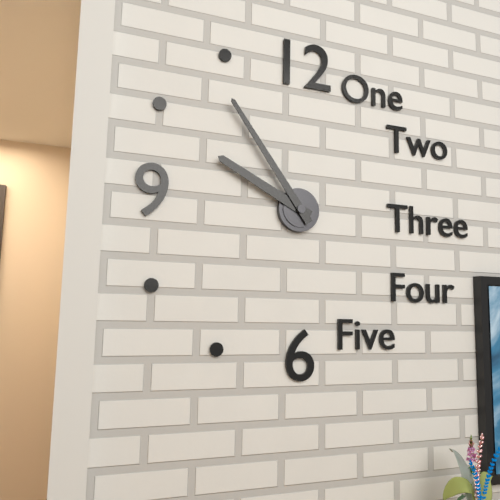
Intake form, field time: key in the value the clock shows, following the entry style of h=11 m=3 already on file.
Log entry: h=9 m=54
